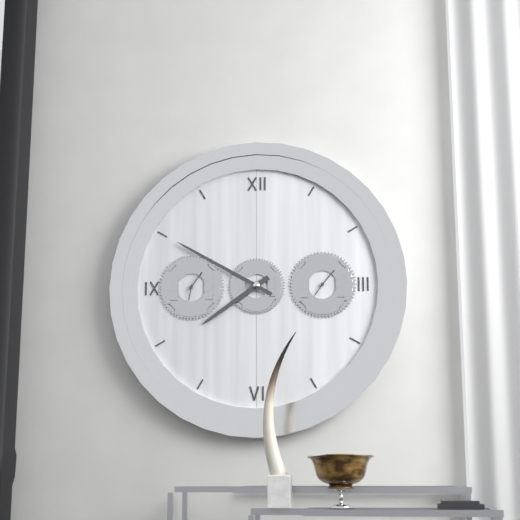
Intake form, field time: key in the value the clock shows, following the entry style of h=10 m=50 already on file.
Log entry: h=7 m=50
